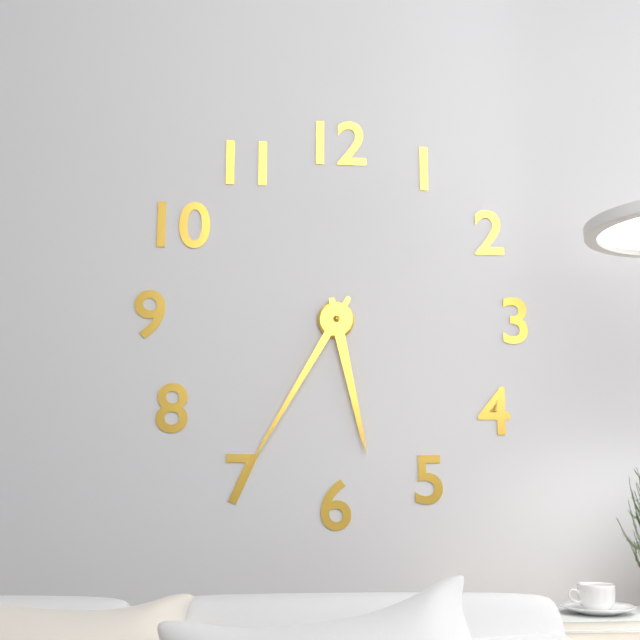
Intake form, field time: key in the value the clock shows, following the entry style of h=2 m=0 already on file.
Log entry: h=5 m=35
